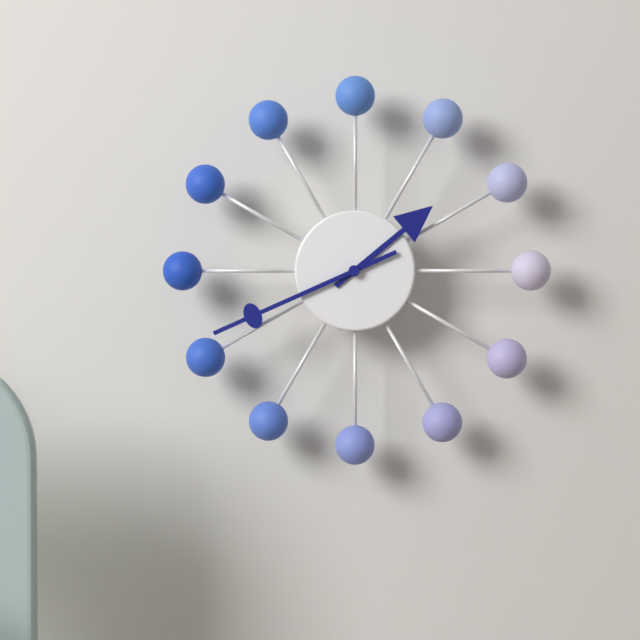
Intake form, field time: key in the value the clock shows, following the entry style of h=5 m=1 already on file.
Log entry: h=1 m=41
